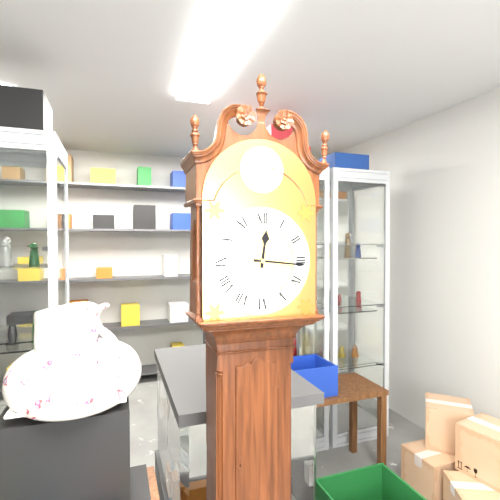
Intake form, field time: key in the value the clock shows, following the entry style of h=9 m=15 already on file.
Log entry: h=12 m=16
